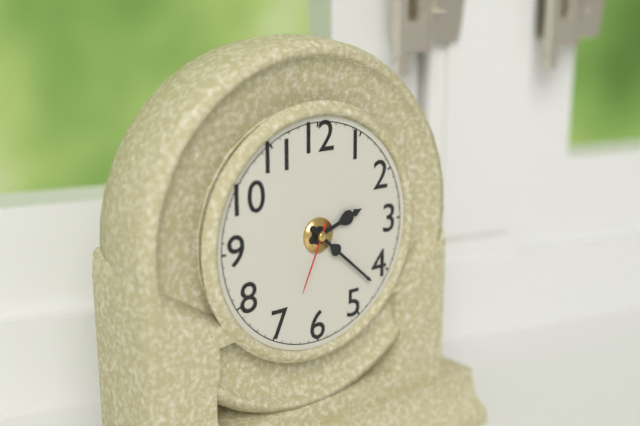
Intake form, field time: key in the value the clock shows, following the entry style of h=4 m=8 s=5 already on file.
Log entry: h=2 m=22 s=34
